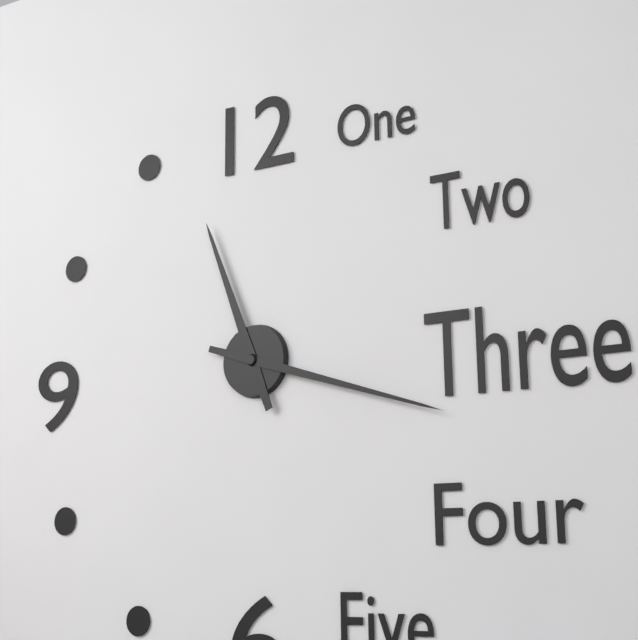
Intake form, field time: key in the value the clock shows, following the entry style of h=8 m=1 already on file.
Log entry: h=11 m=18
